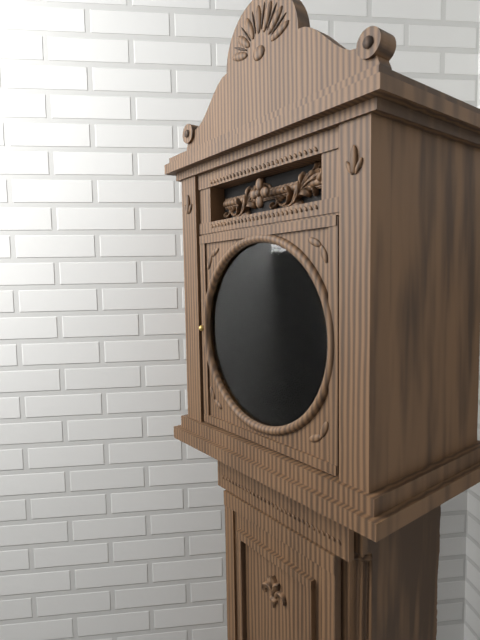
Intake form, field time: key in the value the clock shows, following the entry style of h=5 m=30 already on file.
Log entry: h=12 m=50
